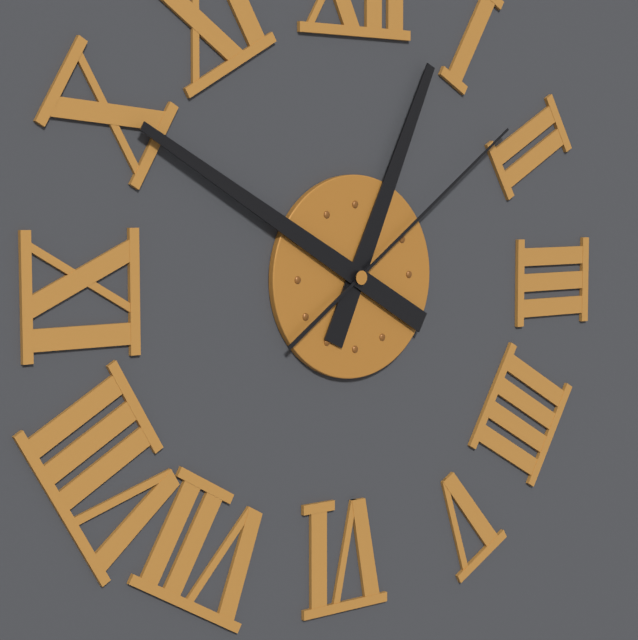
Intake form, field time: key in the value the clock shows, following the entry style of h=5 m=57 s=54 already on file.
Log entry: h=12 m=50 s=9
